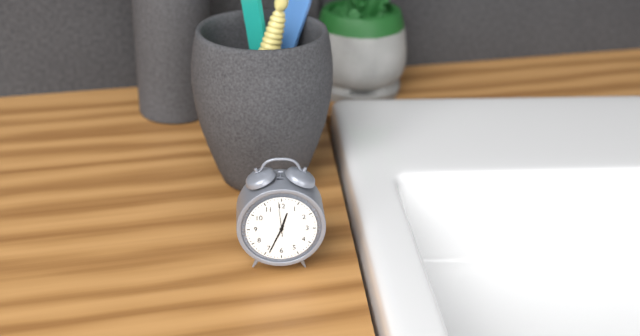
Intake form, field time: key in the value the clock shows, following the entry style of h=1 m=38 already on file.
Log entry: h=12 m=34
